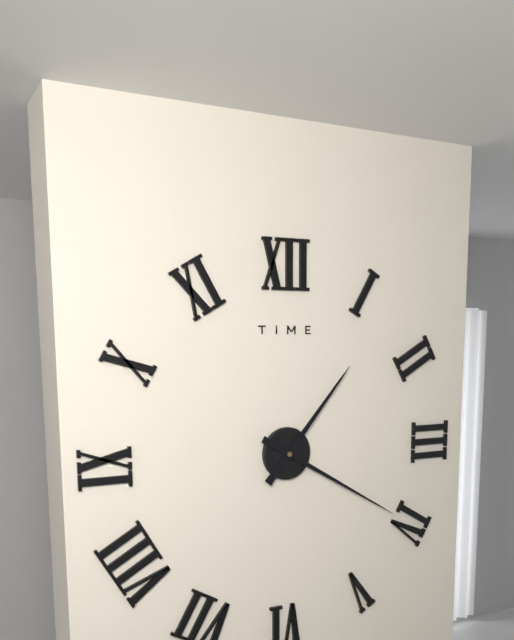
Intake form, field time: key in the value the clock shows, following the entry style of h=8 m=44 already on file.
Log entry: h=1 m=20
